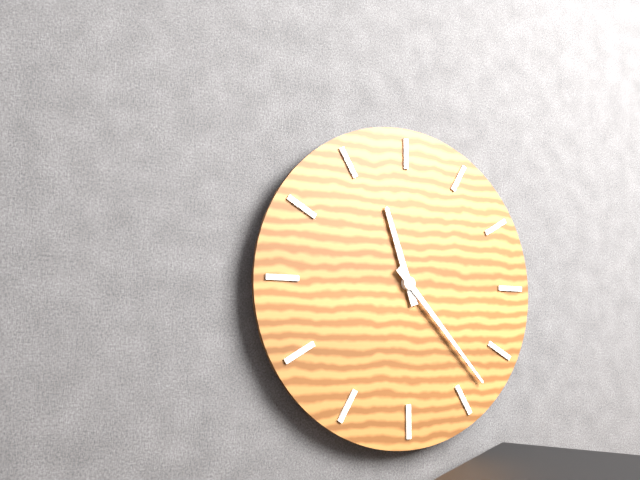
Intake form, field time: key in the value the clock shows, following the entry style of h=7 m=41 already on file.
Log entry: h=11 m=23
